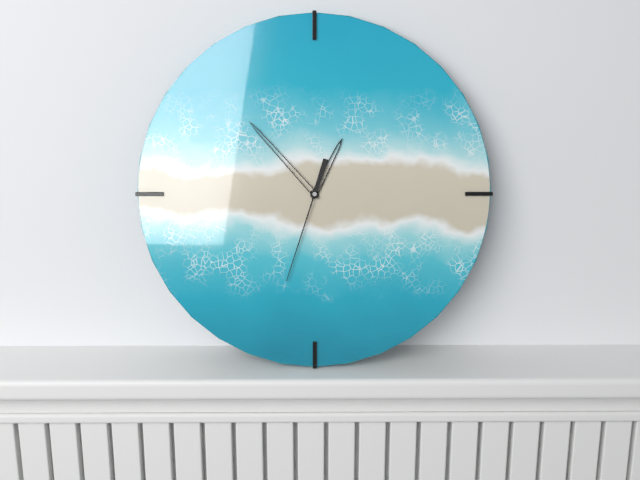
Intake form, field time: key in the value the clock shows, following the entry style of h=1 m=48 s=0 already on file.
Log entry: h=12 m=53 s=33
